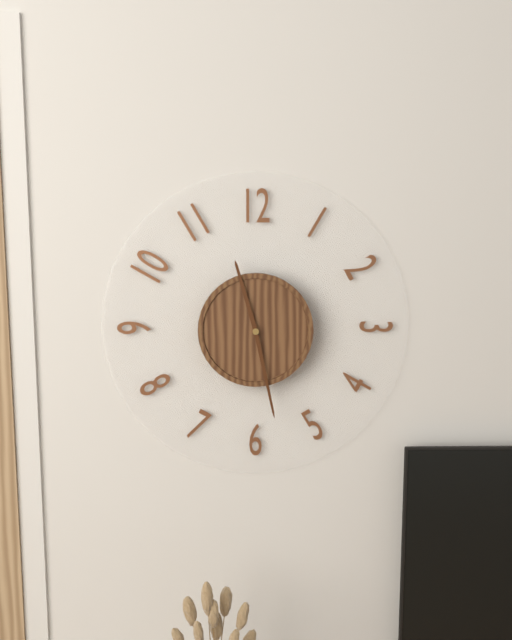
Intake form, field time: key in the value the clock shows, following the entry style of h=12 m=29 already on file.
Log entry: h=11 m=28
